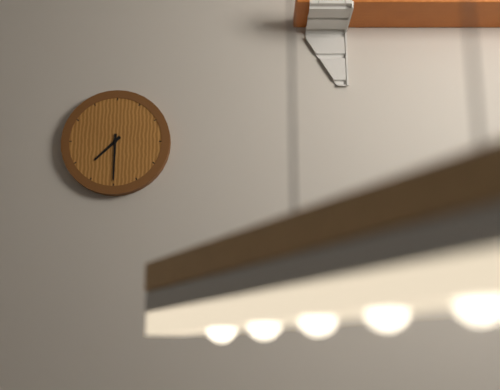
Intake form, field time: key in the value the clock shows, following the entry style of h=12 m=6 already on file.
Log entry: h=7 m=30
